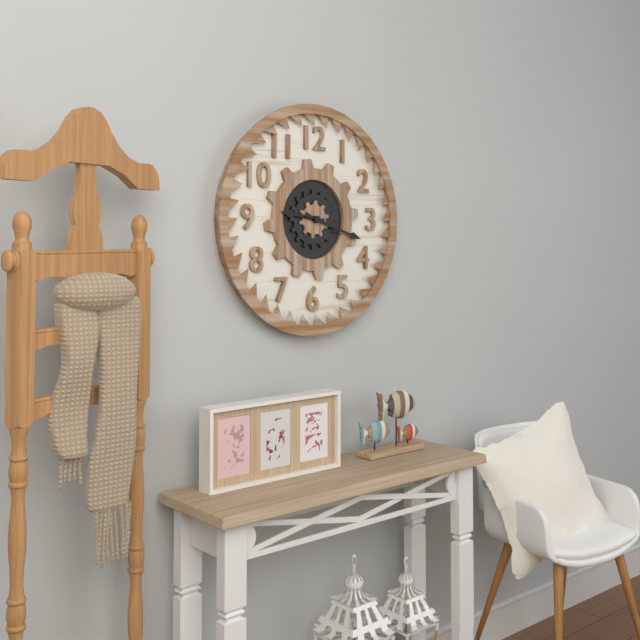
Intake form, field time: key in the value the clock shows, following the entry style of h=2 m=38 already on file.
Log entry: h=9 m=18
